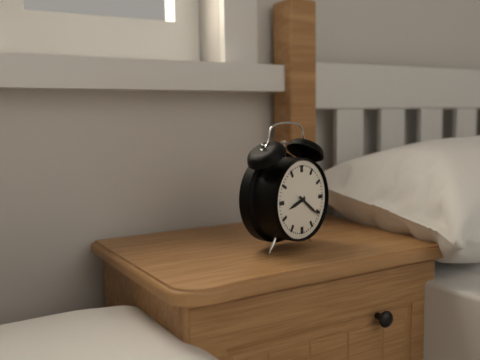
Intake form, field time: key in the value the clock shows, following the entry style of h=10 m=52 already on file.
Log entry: h=8 m=21
